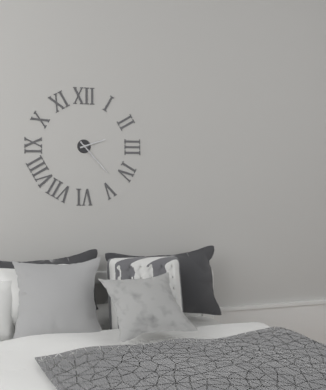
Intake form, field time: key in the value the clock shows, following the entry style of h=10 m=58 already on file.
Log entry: h=2 m=23
